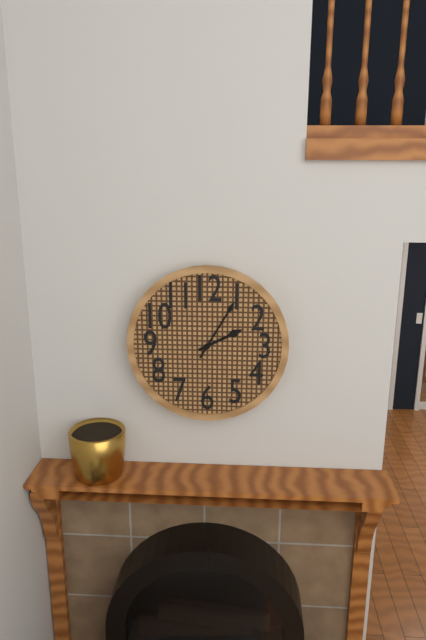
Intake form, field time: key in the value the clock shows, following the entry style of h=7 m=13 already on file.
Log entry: h=2 m=5
